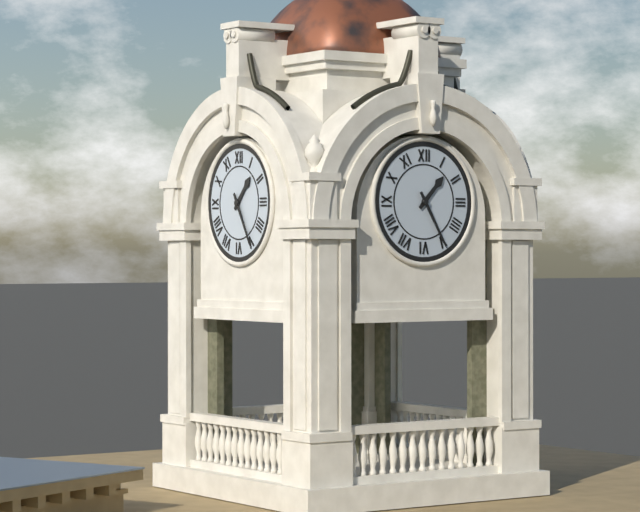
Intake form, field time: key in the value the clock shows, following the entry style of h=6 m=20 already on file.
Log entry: h=1 m=25
